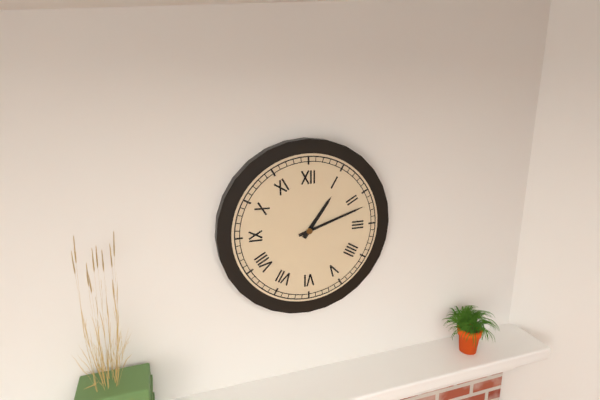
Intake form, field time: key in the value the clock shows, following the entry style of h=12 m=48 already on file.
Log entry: h=1 m=12
